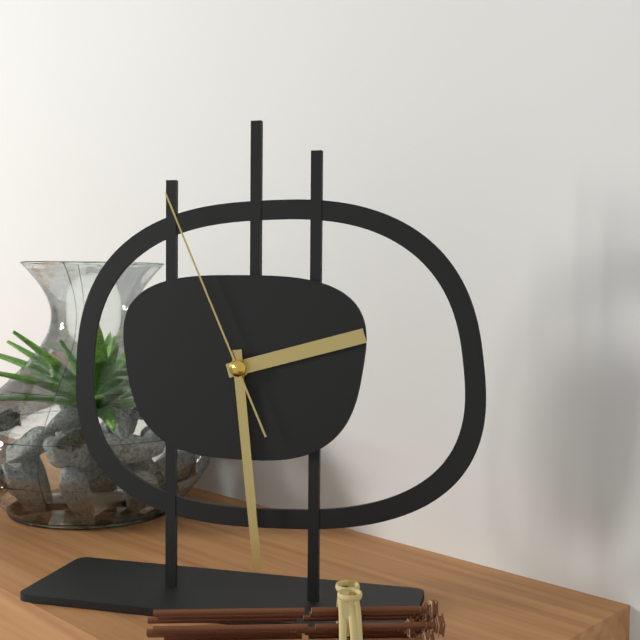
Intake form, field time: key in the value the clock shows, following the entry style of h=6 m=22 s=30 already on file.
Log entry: h=2 m=29 s=56
